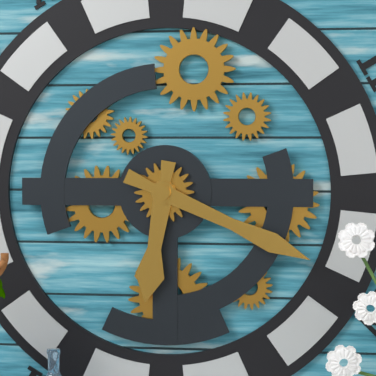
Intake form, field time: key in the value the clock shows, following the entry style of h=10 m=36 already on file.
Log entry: h=6 m=19
